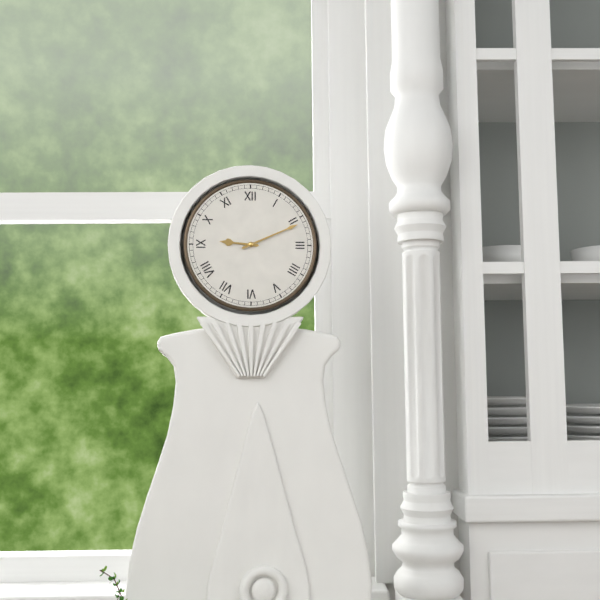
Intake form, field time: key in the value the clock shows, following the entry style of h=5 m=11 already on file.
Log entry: h=9 m=11
